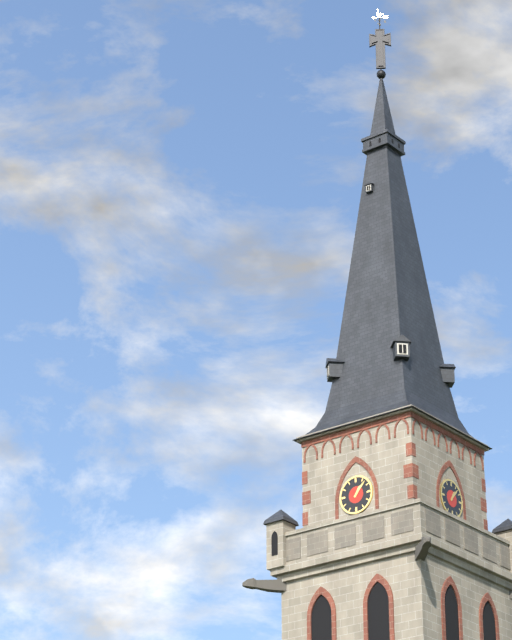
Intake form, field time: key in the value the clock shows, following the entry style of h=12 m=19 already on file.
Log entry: h=1 m=7
